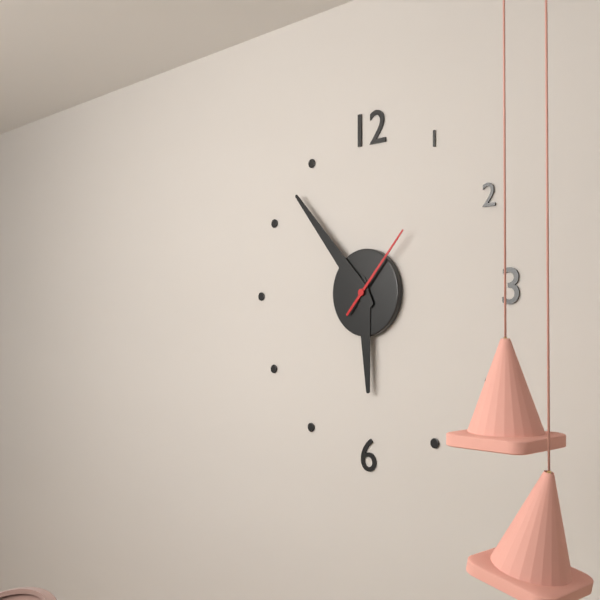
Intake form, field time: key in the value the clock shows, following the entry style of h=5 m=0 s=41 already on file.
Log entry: h=5 m=53 s=7
